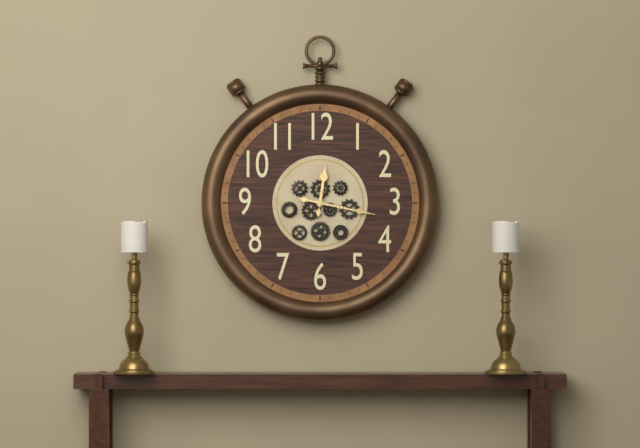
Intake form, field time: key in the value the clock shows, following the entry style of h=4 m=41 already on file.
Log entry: h=12 m=17
